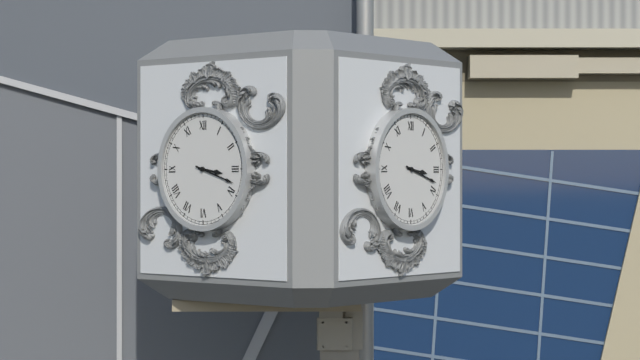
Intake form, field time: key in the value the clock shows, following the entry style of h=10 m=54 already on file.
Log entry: h=3 m=18
